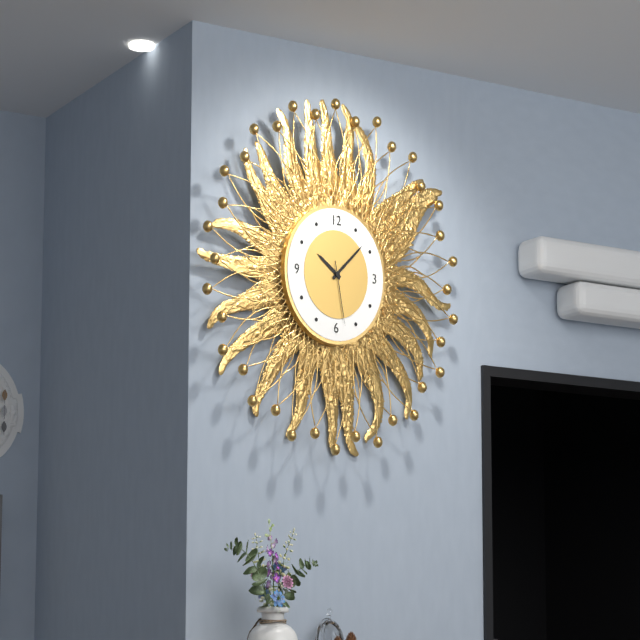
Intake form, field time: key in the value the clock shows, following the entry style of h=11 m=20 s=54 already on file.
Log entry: h=10 m=8 s=28
